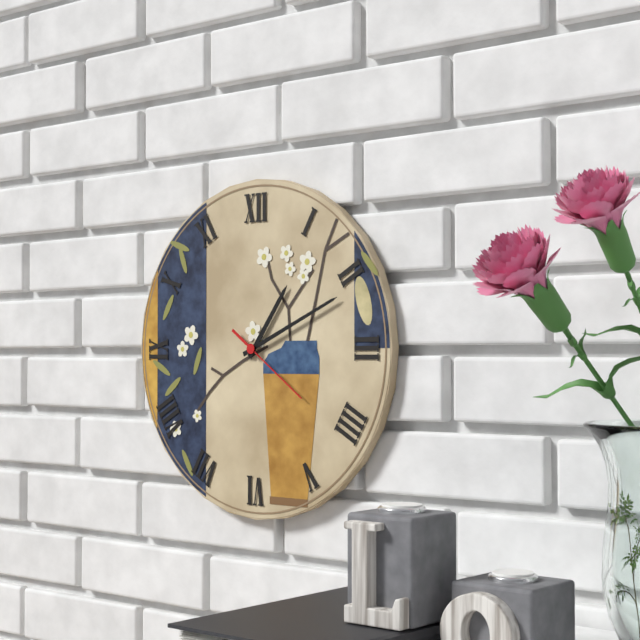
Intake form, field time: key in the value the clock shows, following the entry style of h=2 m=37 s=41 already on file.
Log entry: h=1 m=11 s=21
